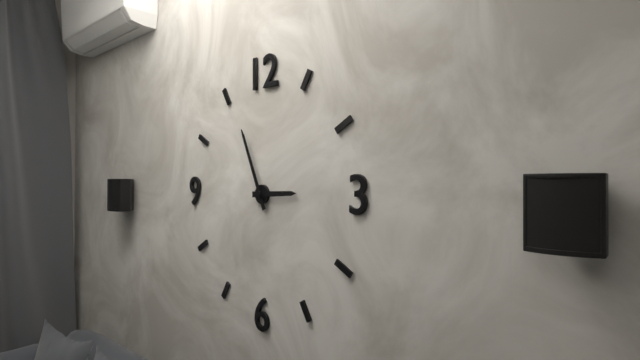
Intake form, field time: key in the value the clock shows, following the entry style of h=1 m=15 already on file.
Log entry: h=2 m=56
